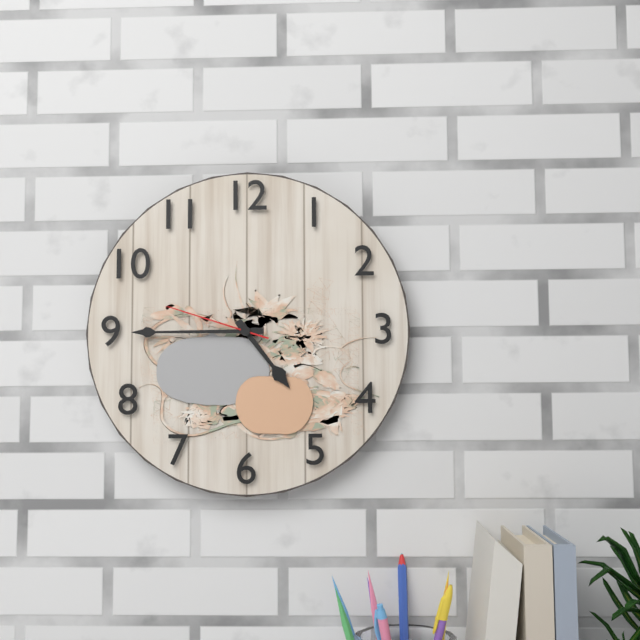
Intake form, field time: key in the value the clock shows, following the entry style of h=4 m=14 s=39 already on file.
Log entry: h=4 m=45 s=48
